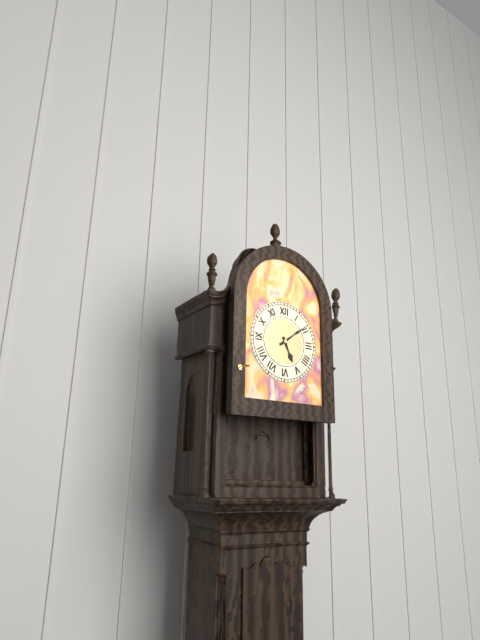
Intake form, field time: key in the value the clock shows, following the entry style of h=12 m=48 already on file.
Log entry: h=5 m=9
